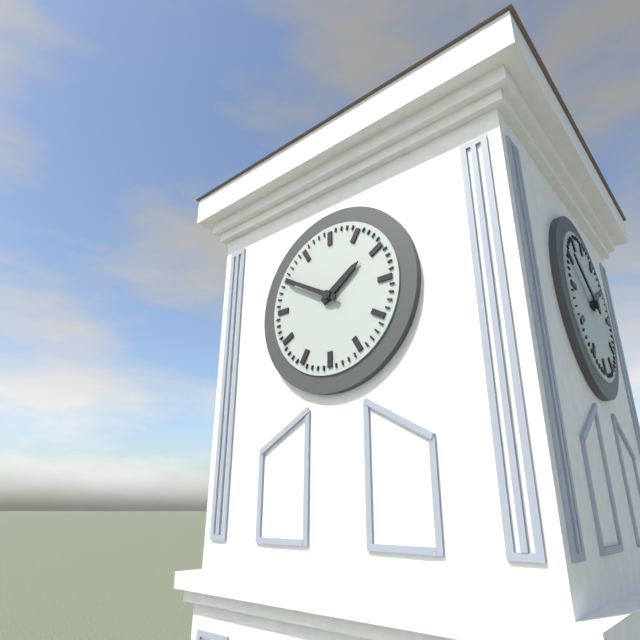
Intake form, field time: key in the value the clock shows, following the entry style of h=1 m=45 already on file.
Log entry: h=1 m=50
